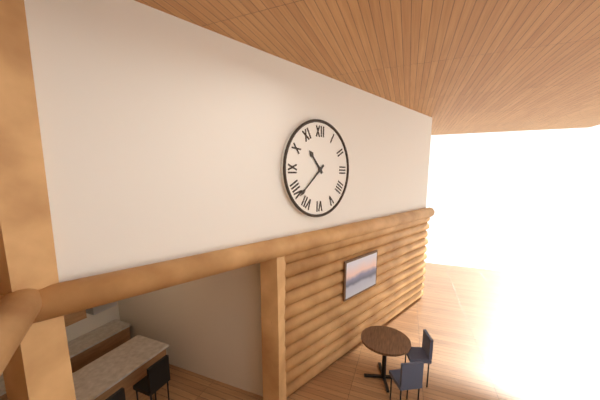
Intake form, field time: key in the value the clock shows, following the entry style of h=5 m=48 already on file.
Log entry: h=10 m=38
